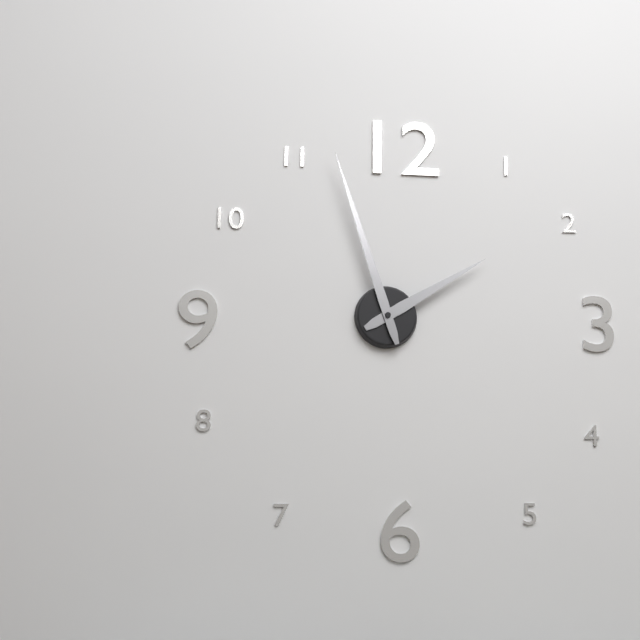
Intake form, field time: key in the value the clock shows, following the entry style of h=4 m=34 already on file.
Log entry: h=1 m=57
